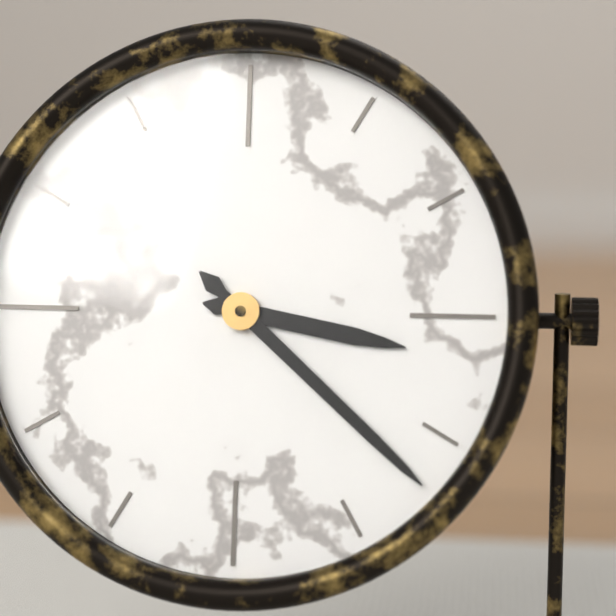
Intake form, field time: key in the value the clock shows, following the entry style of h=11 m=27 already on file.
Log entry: h=3 m=22
